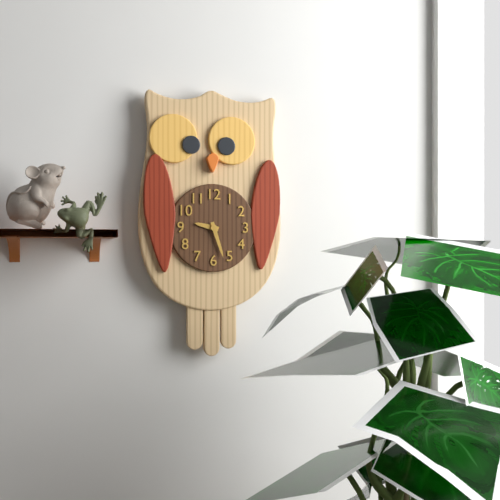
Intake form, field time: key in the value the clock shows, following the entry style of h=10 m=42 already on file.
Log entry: h=9 m=27
